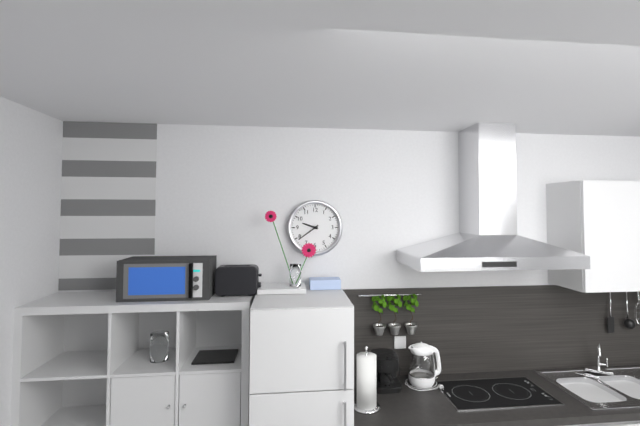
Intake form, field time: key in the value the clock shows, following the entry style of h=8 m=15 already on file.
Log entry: h=9 m=39
